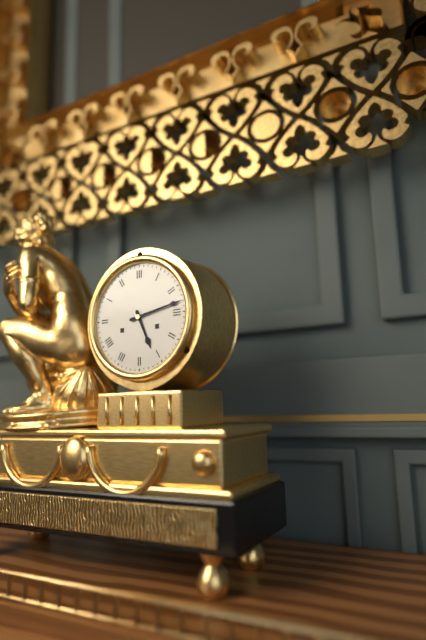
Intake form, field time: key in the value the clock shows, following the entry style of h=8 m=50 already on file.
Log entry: h=5 m=13
